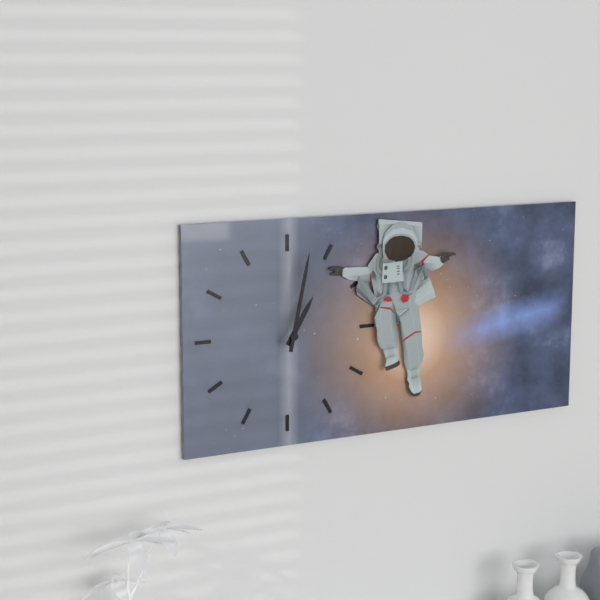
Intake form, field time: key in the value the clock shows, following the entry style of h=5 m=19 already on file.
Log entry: h=1 m=2
